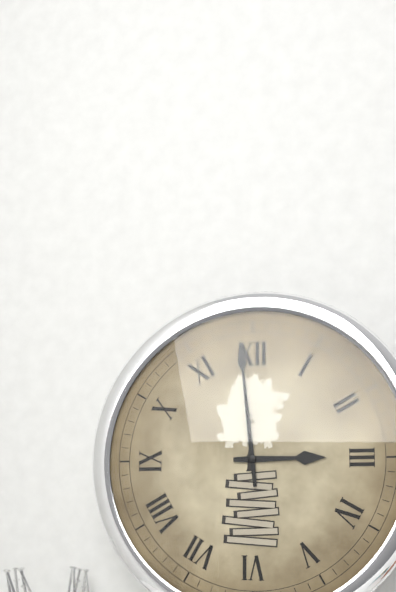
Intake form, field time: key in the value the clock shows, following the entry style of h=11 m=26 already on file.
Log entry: h=2 m=59
